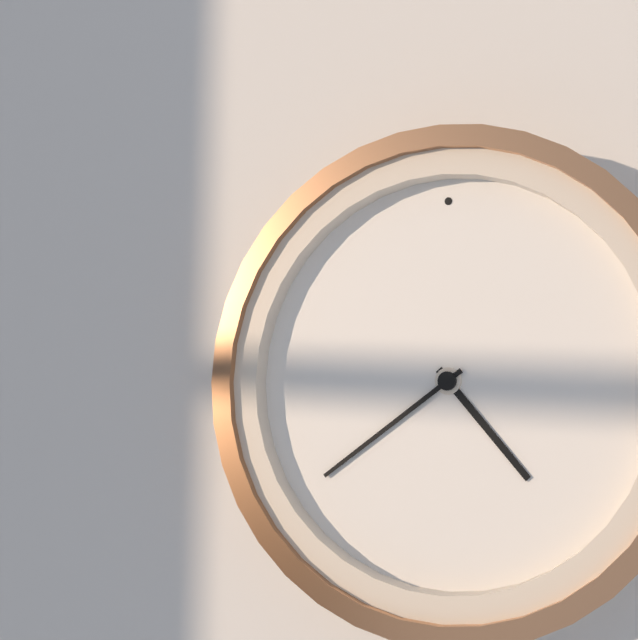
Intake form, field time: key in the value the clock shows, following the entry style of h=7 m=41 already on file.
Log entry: h=4 m=39
